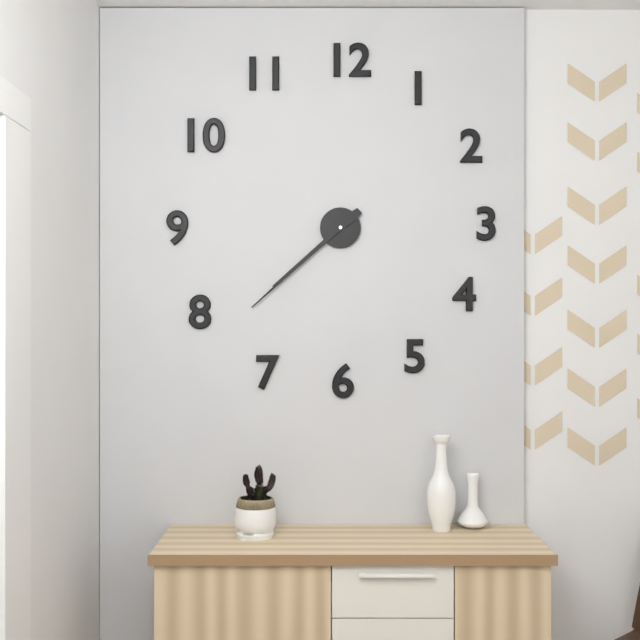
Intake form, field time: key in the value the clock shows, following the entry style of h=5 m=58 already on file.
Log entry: h=7 m=38
